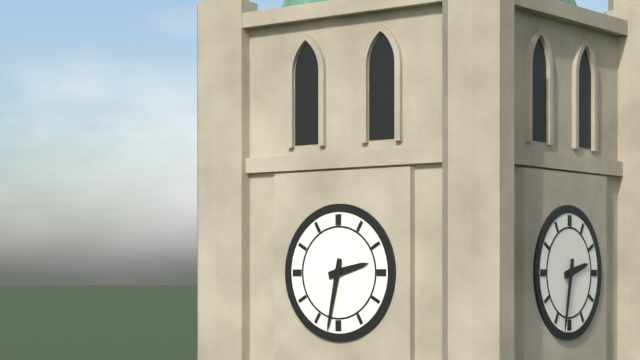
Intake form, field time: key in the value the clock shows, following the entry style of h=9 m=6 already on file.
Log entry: h=2 m=32
